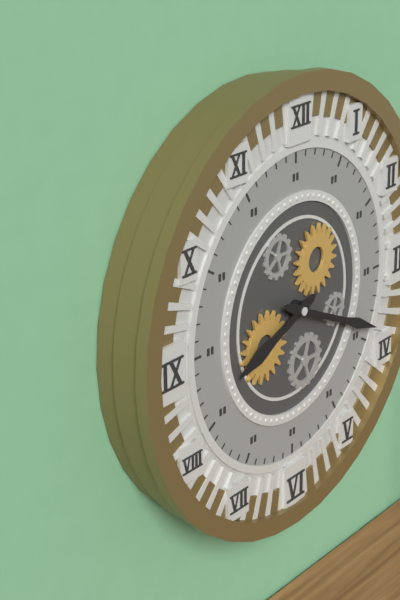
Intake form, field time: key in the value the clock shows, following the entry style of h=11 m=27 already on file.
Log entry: h=8 m=19
